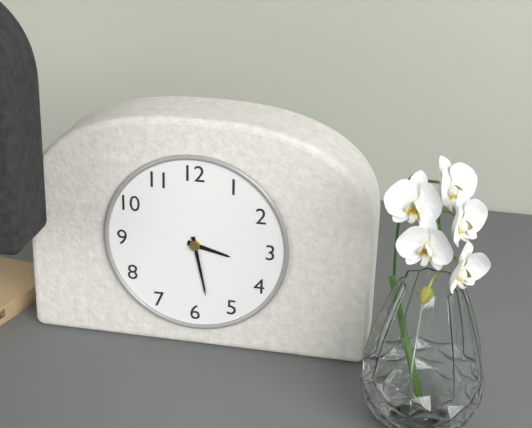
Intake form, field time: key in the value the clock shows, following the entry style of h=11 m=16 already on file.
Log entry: h=3 m=28
